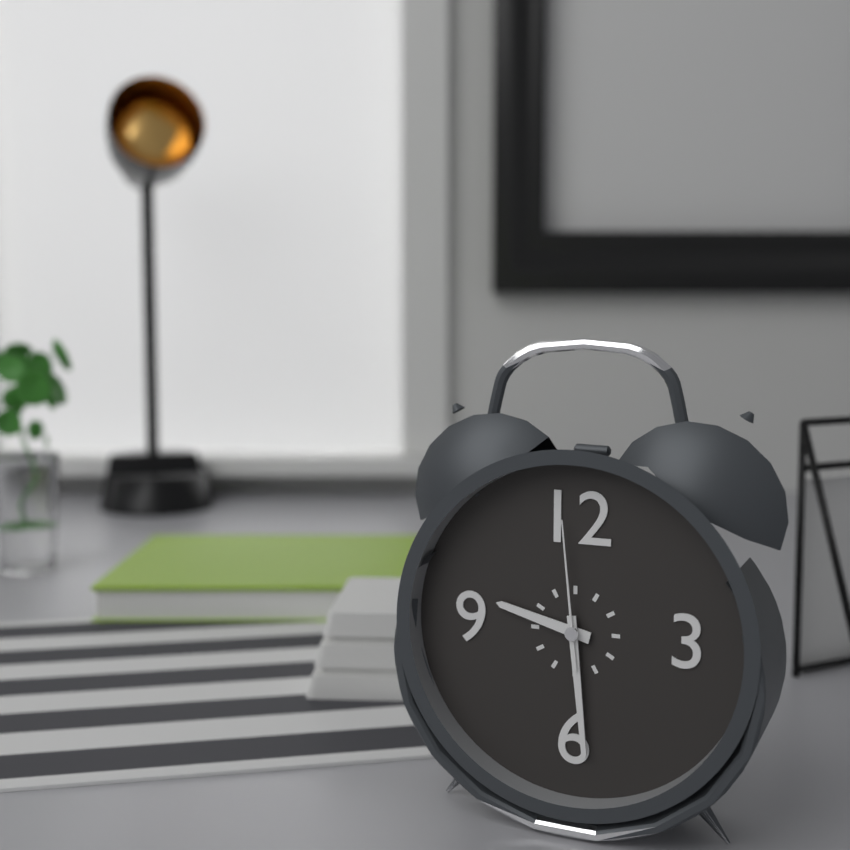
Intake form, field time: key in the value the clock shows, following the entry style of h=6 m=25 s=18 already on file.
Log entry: h=9 m=29 s=59
